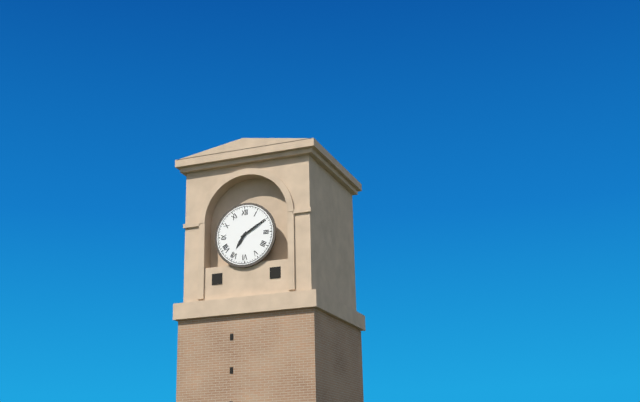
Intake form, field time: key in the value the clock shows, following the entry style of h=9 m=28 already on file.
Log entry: h=7 m=10
